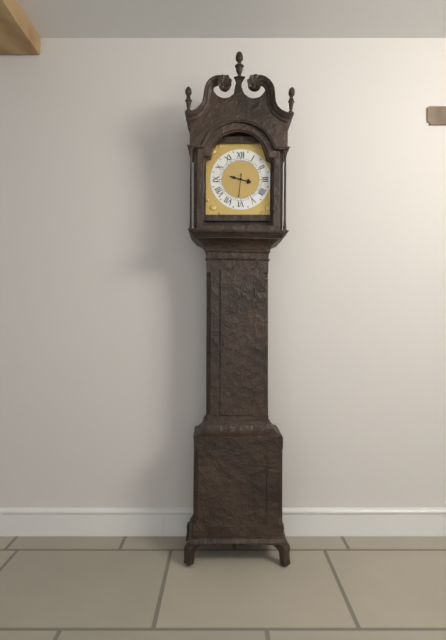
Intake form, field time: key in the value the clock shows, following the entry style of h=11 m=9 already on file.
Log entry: h=9 m=31
